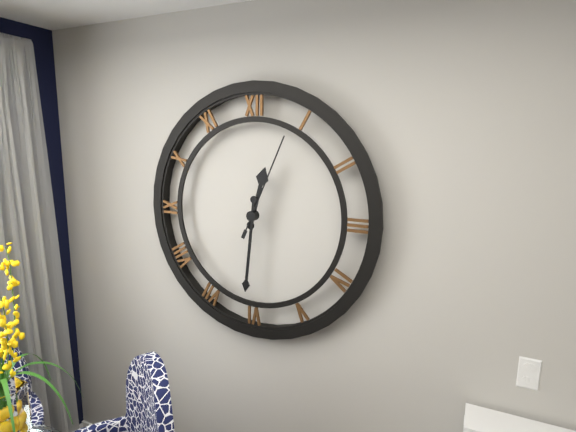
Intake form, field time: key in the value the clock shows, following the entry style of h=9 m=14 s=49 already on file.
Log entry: h=12 m=31 s=4
